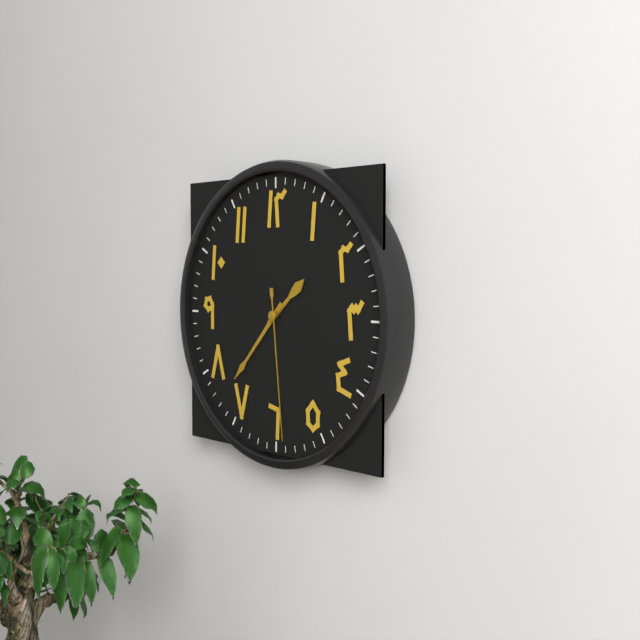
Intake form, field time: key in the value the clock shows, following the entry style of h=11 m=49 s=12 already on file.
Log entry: h=1 m=37 s=29
